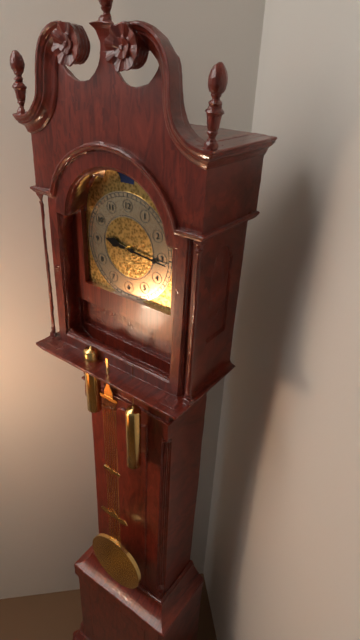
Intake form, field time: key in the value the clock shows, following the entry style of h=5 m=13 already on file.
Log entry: h=9 m=16
